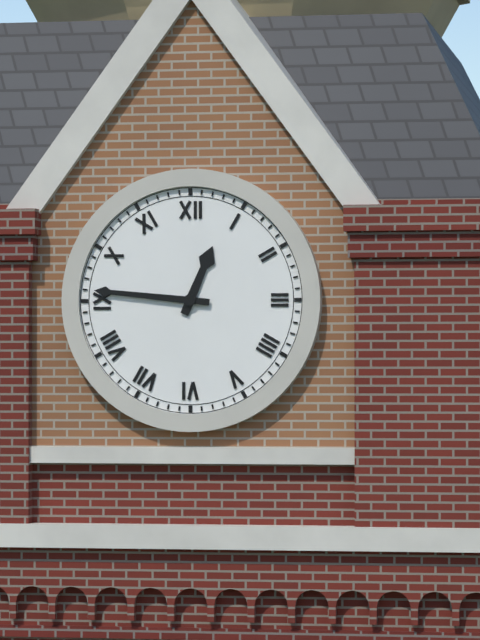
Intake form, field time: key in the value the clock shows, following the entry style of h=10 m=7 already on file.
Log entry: h=12 m=46
